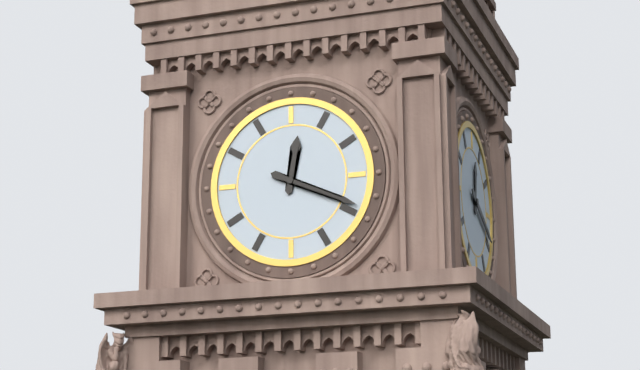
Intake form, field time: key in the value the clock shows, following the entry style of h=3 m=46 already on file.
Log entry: h=12 m=19
